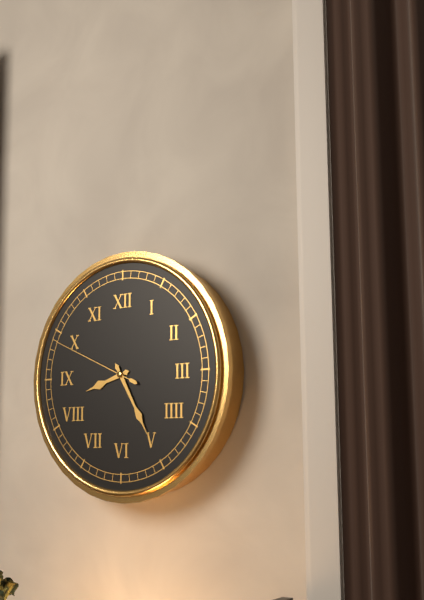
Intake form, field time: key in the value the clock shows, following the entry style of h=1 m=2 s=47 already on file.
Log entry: h=8 m=25 s=49
